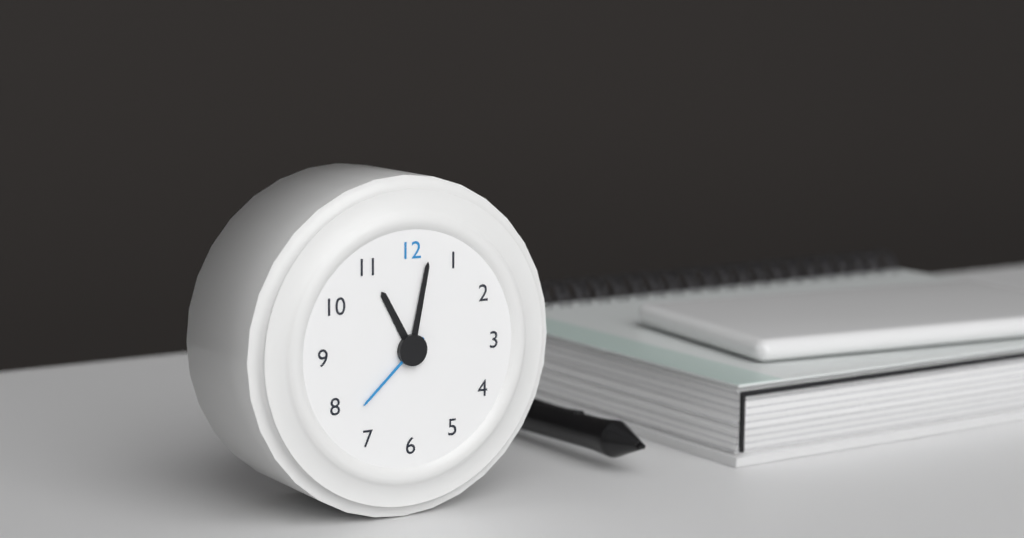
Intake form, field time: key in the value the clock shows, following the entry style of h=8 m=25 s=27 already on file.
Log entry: h=11 m=2 s=38
